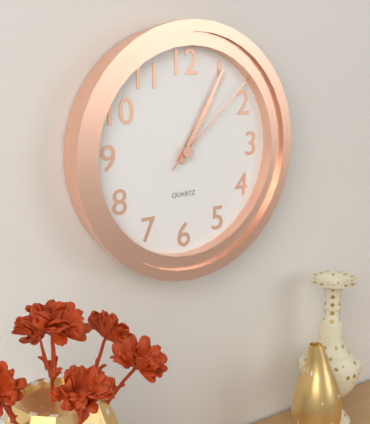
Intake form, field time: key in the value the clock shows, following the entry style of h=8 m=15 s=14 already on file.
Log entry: h=1 m=5 s=8
